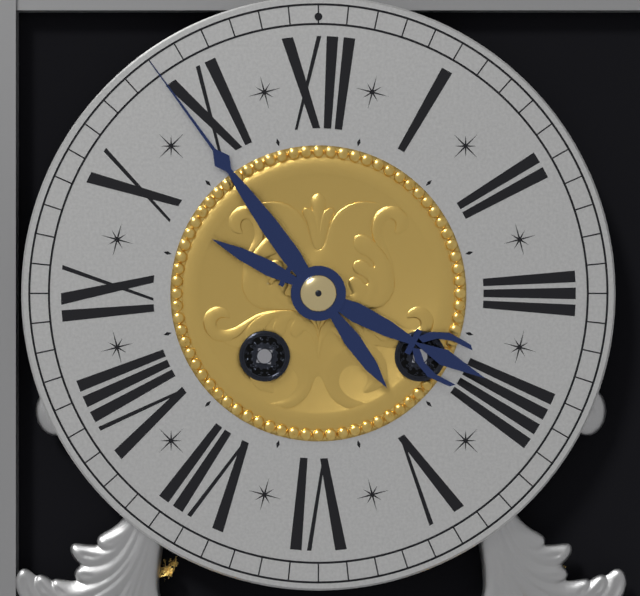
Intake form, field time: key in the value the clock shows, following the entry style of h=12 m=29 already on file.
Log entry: h=3 m=54
